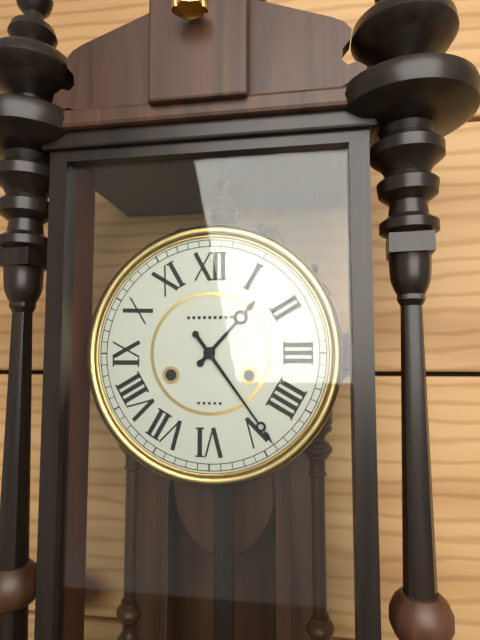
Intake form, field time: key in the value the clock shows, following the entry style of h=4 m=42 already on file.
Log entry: h=1 m=24
